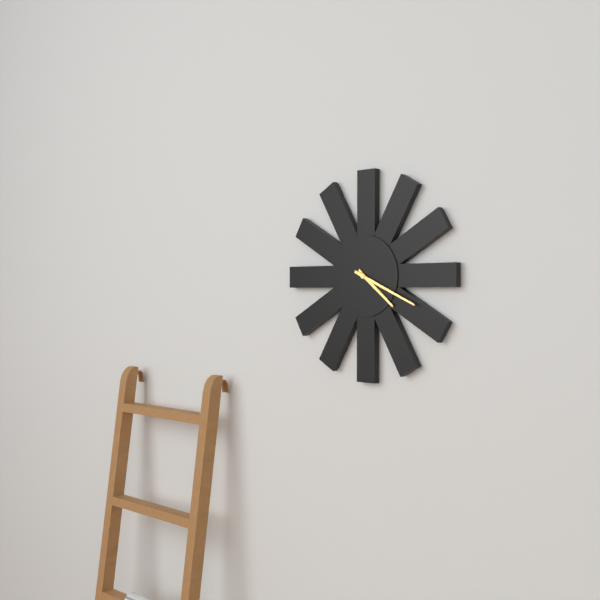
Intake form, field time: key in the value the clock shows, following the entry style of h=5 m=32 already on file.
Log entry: h=4 m=19
